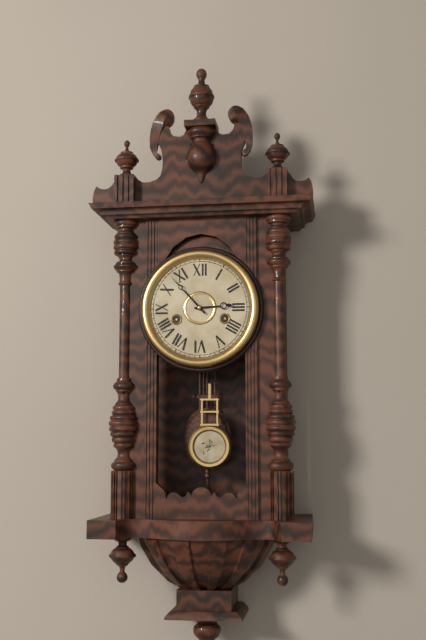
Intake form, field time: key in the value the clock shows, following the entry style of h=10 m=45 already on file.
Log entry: h=2 m=53
